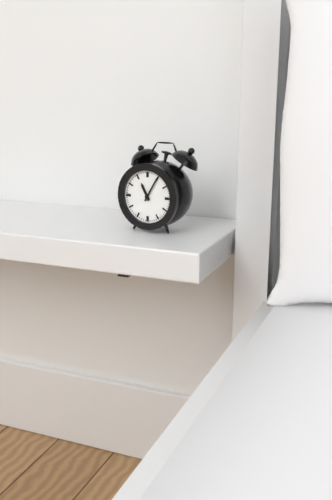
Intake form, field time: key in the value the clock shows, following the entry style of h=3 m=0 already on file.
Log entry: h=11 m=5
